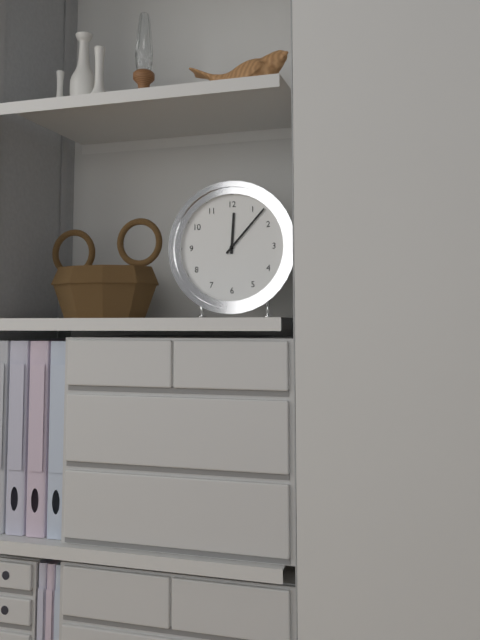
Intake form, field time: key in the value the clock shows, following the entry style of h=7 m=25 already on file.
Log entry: h=12 m=7
